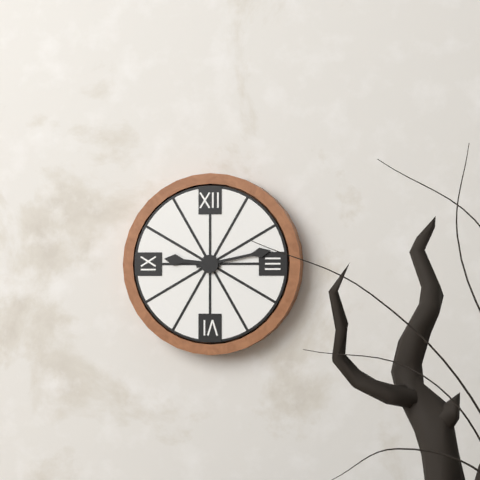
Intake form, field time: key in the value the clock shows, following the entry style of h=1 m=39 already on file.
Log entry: h=9 m=13
